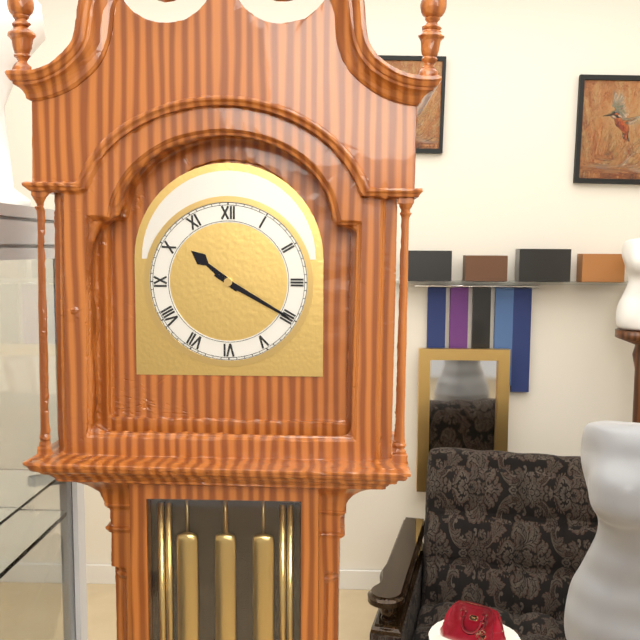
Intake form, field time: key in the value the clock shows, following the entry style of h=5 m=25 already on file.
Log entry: h=10 m=20
